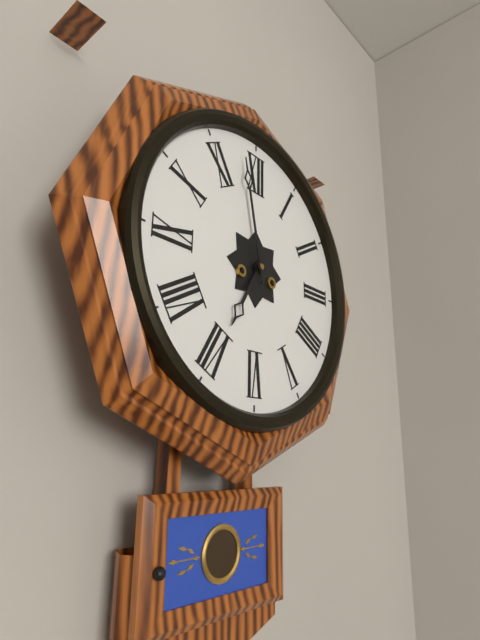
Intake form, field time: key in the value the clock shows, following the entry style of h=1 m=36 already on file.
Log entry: h=6 m=58
